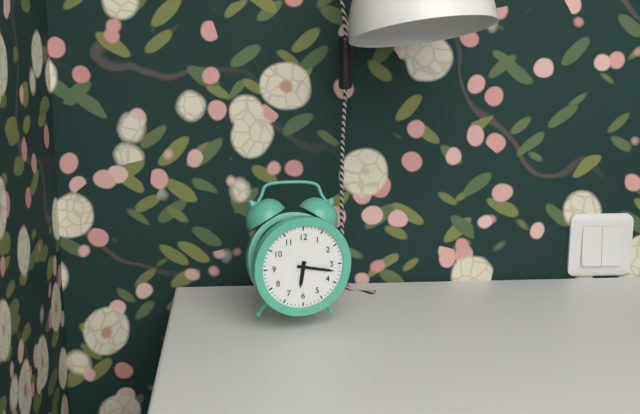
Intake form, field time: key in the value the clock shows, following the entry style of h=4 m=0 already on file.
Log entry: h=6 m=17
